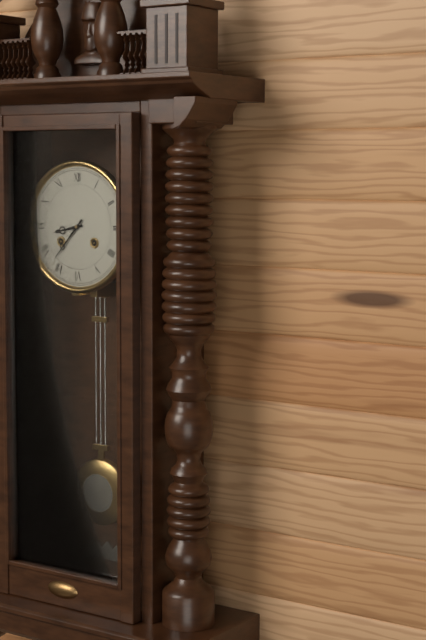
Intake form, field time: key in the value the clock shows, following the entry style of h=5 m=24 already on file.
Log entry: h=8 m=37
